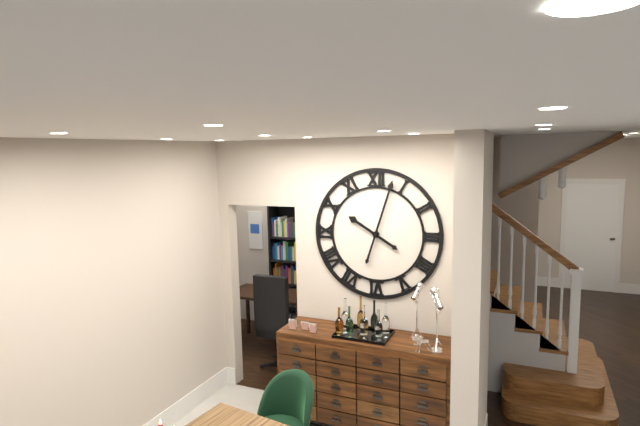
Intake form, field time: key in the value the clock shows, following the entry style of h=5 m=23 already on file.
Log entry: h=10 m=3
